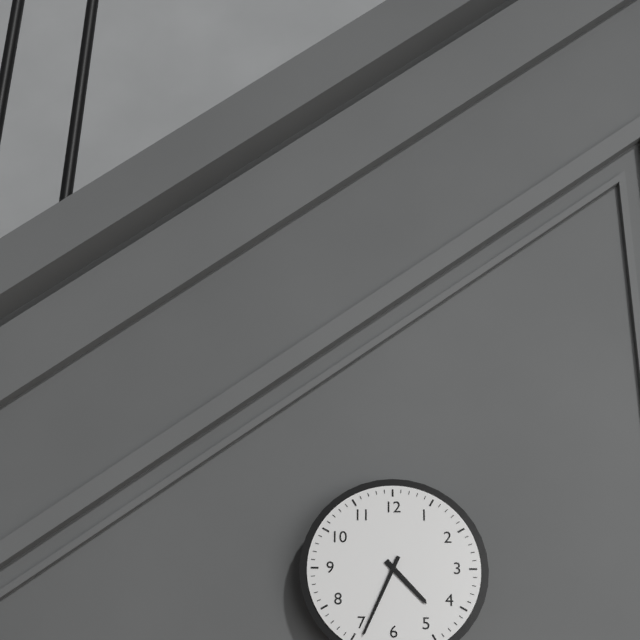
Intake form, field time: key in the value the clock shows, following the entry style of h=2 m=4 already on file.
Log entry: h=4 m=34
